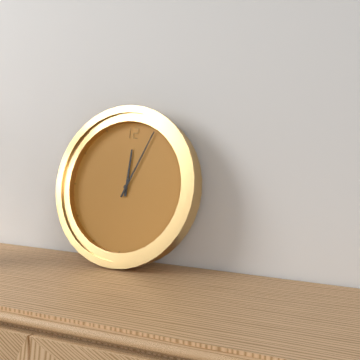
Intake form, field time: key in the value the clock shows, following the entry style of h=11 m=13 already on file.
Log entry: h=12 m=4
